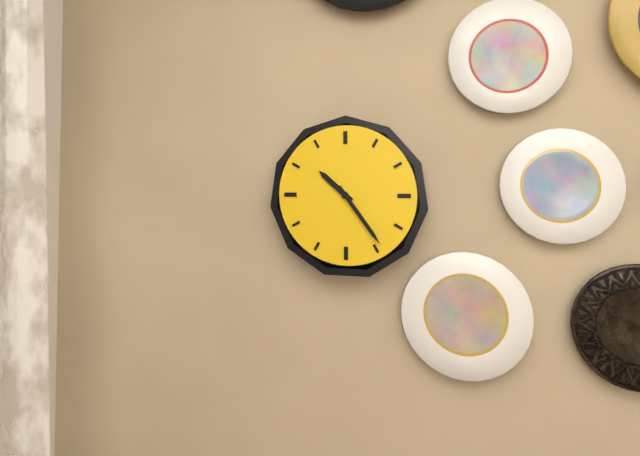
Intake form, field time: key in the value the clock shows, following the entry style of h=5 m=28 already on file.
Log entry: h=10 m=24
